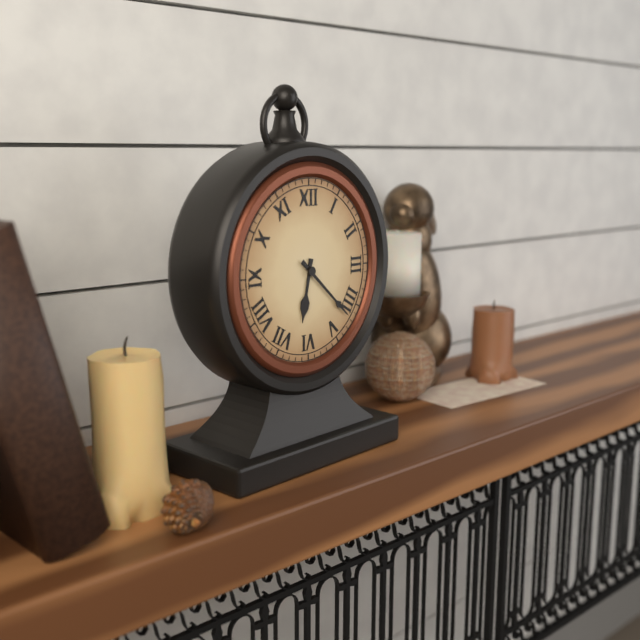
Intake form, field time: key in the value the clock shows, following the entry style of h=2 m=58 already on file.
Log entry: h=6 m=22
